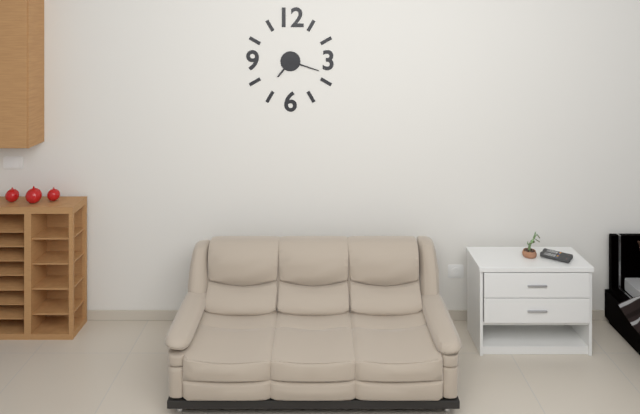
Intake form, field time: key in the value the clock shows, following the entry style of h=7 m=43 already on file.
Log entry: h=7 m=18
